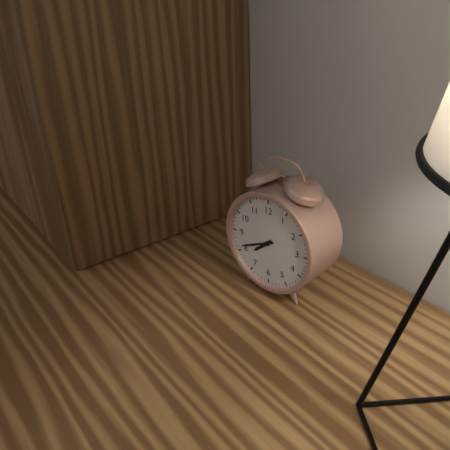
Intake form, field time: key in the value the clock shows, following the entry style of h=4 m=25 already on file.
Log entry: h=7 m=41
